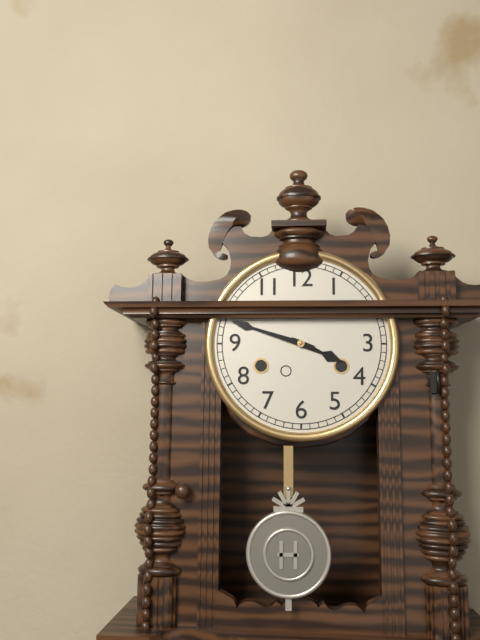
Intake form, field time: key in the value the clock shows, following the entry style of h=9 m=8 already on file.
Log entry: h=3 m=48
